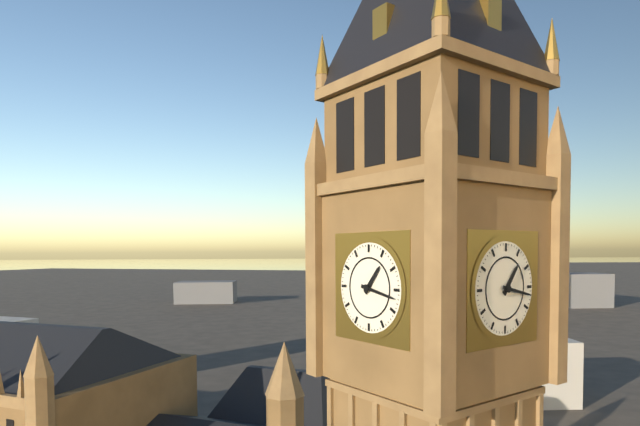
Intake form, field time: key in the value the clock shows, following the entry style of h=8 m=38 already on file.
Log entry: h=1 m=17
